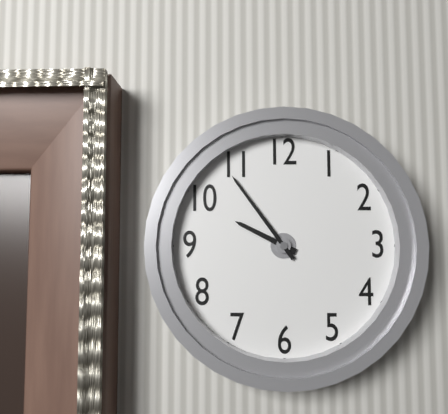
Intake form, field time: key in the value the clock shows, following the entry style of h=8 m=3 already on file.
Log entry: h=9 m=54
